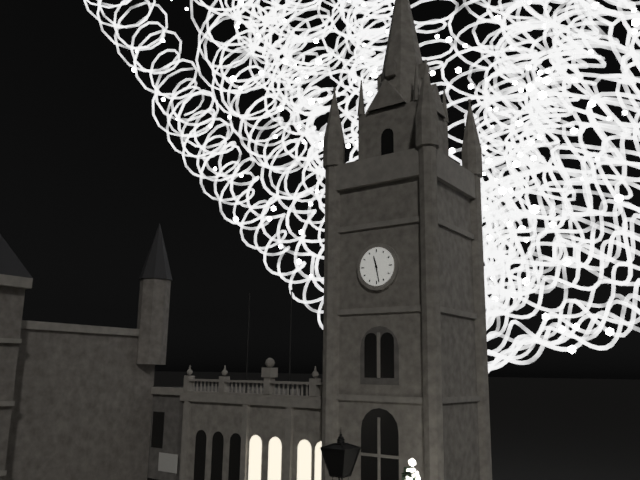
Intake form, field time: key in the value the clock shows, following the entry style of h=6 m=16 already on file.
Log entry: h=11 m=28
